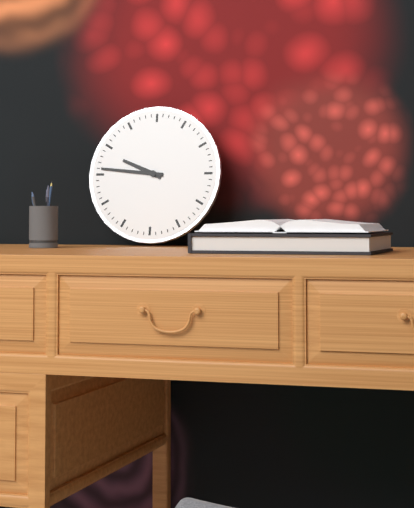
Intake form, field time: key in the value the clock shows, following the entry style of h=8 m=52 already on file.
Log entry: h=9 m=46
